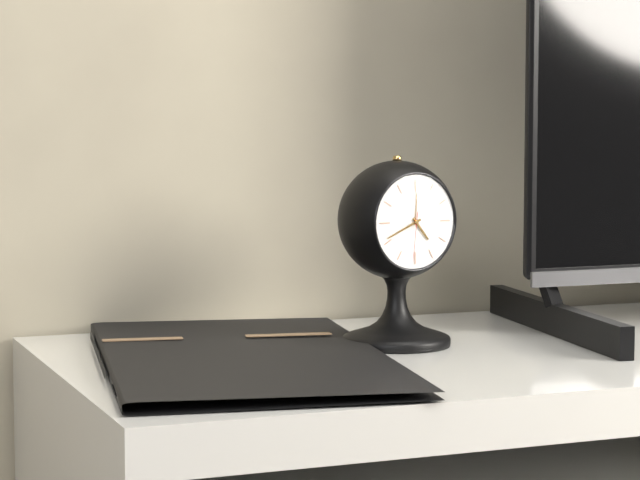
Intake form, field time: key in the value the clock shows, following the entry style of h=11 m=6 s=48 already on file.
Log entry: h=4 m=41 s=31
